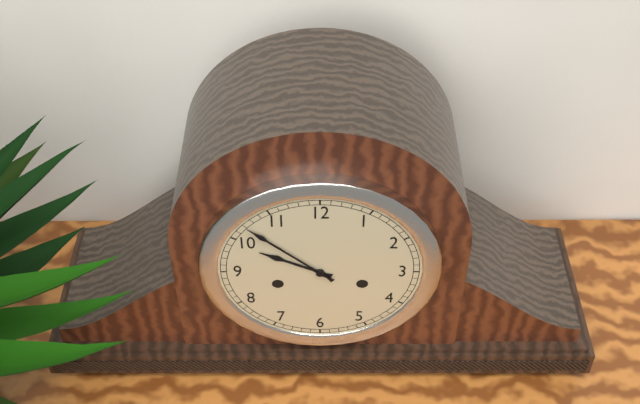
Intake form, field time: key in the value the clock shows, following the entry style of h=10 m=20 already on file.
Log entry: h=9 m=52
